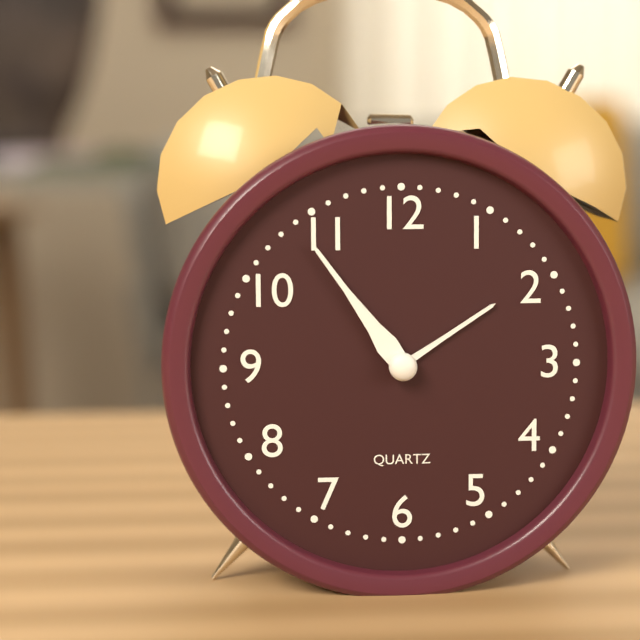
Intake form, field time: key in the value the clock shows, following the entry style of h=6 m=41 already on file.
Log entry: h=1 m=54
